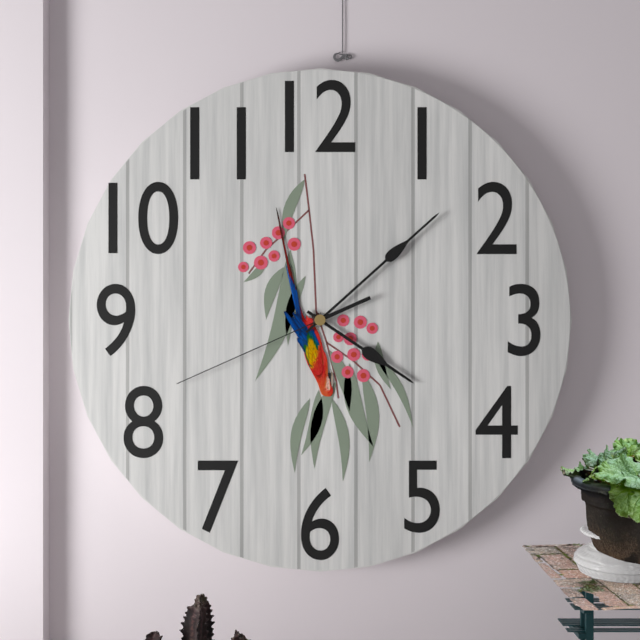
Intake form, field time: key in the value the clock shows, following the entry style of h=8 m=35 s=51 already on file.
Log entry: h=4 m=8 s=41
